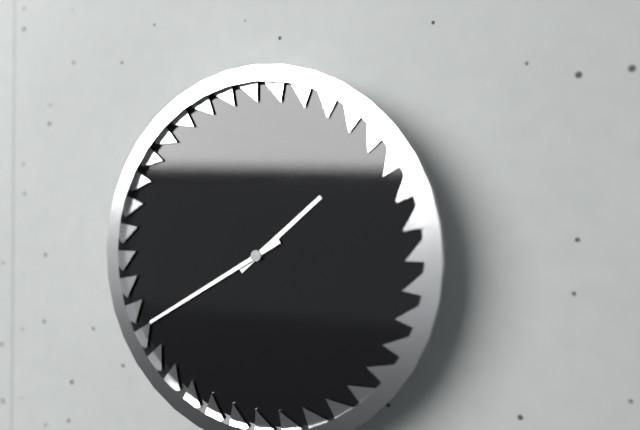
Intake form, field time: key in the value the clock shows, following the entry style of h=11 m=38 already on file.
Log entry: h=1 m=40
